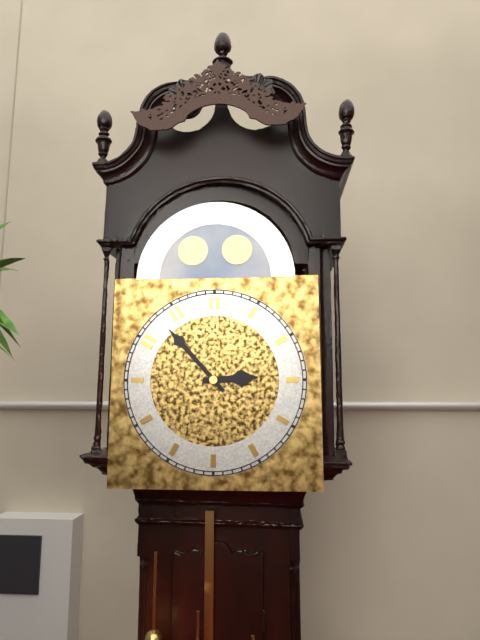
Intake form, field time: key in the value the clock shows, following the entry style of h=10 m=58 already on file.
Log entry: h=2 m=53
